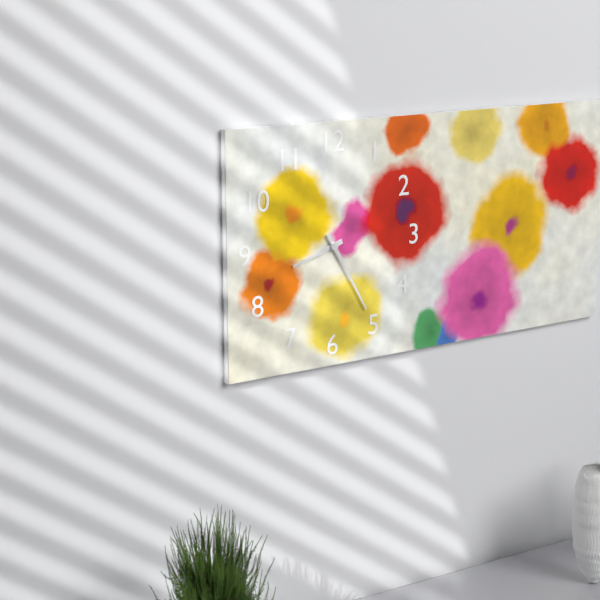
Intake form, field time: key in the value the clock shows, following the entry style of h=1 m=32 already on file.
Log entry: h=8 m=25
